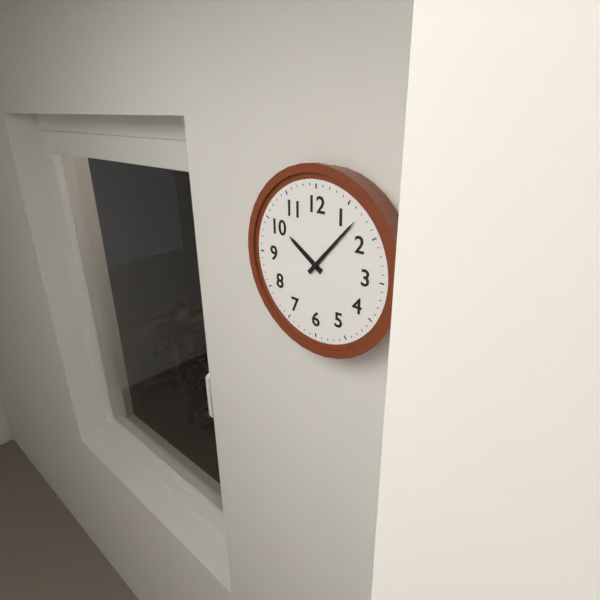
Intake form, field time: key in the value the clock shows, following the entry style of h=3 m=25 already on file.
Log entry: h=10 m=7
